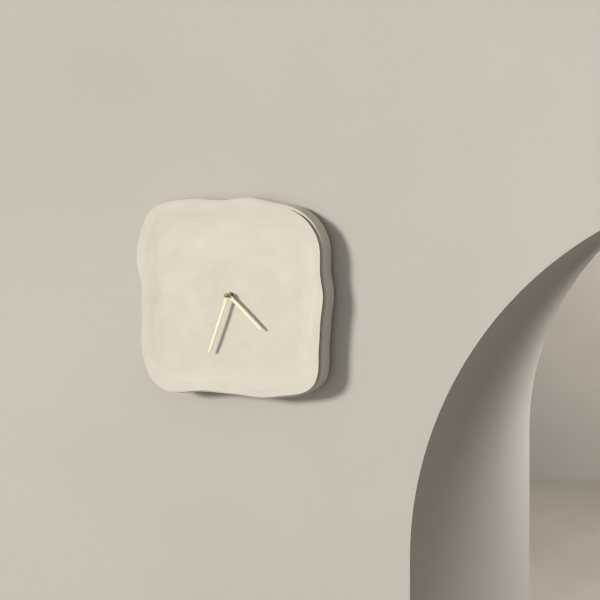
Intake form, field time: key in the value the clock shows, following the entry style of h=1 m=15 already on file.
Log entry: h=4 m=33
